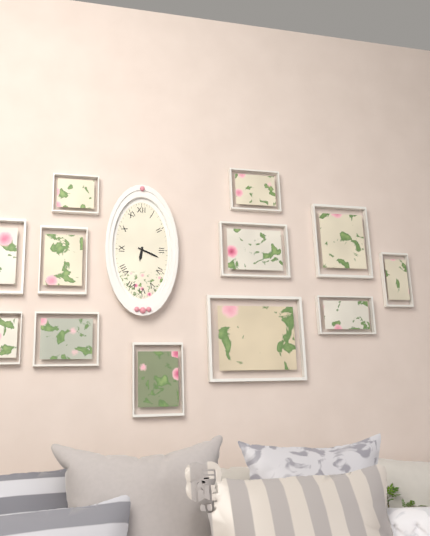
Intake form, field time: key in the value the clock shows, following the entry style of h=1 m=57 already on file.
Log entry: h=6 m=19
